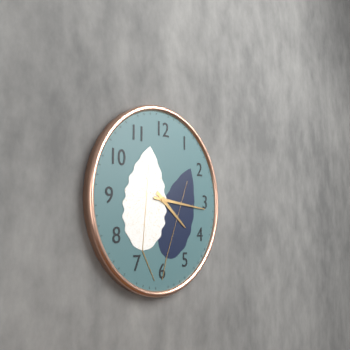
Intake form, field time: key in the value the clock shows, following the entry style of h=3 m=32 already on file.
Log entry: h=4 m=16
